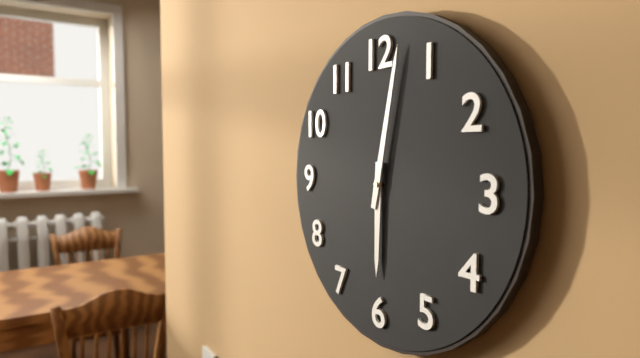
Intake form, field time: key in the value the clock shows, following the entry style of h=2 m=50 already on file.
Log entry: h=6 m=2
